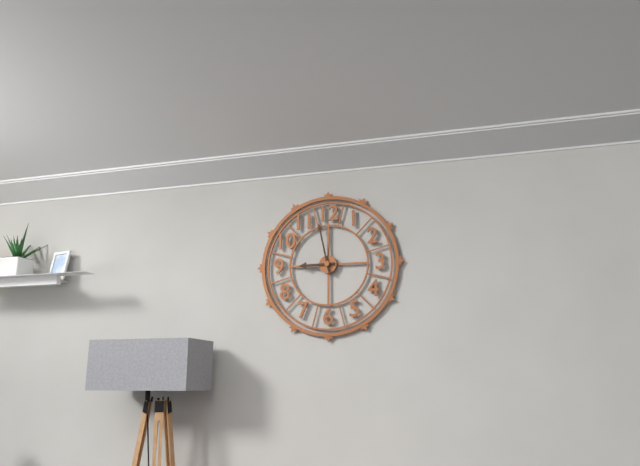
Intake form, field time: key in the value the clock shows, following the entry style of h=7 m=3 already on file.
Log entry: h=8 m=58
